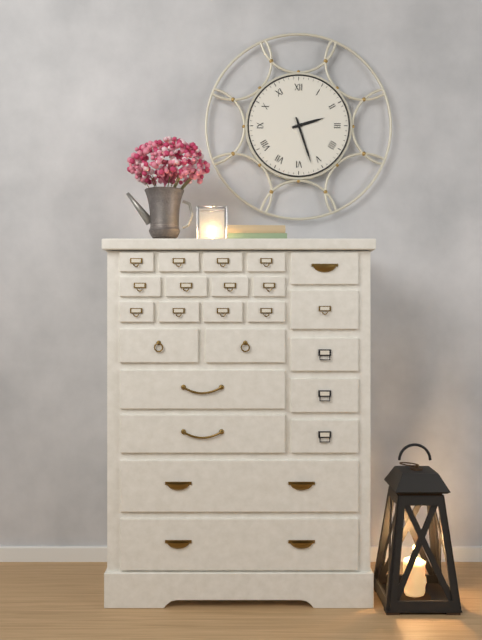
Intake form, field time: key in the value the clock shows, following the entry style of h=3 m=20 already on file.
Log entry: h=2 m=27
